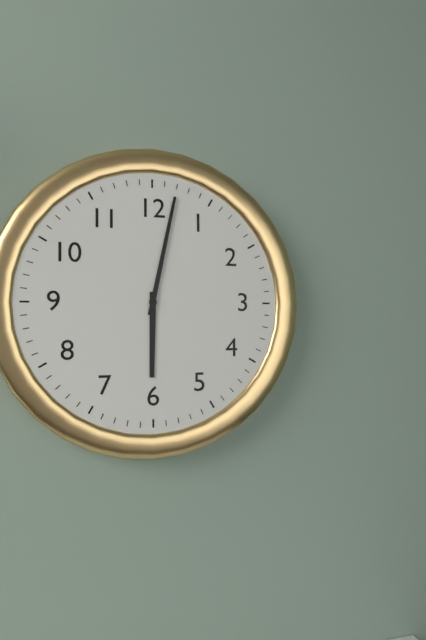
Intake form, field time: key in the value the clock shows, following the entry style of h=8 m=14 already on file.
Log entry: h=6 m=2
